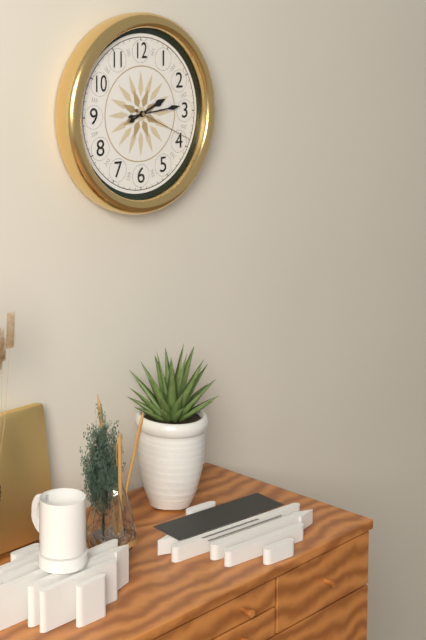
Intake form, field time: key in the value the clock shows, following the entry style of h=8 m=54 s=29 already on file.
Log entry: h=2 m=14 s=19
